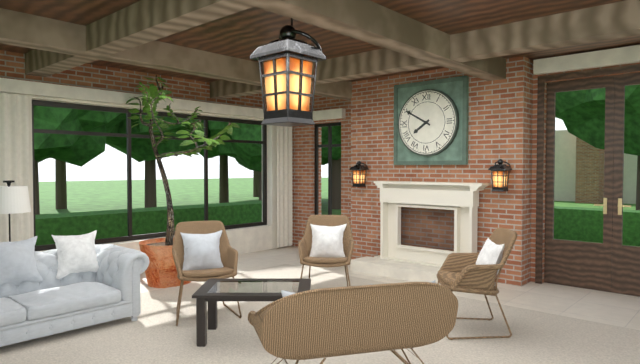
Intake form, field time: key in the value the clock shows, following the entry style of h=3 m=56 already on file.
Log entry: h=7 m=50
